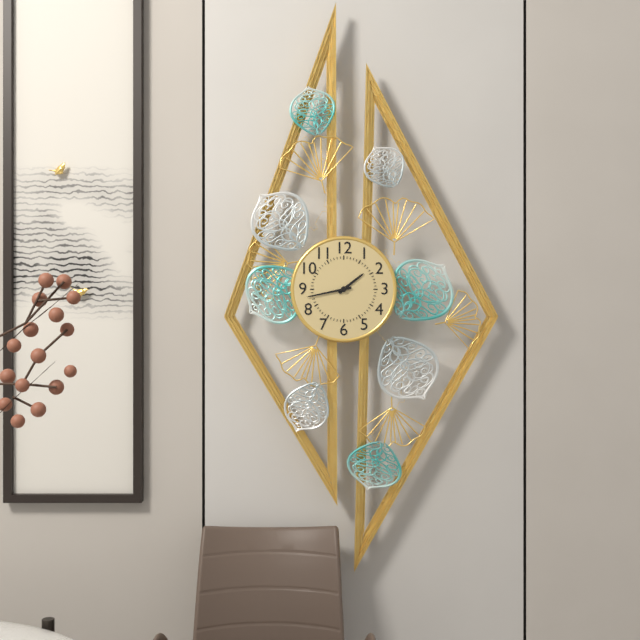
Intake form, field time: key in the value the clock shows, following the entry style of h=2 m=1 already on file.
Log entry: h=1 m=43
